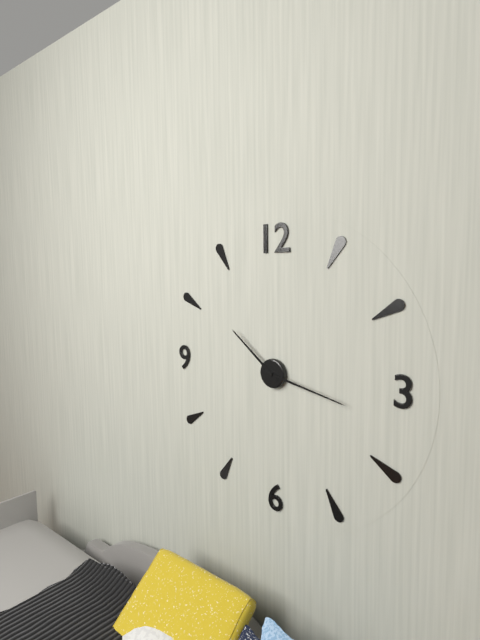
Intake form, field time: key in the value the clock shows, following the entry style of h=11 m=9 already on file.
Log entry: h=10 m=17
